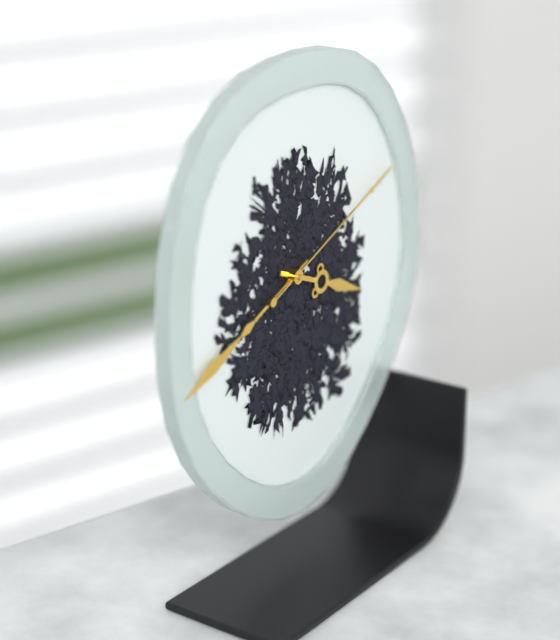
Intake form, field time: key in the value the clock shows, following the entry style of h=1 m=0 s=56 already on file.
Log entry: h=3 m=41 s=11
